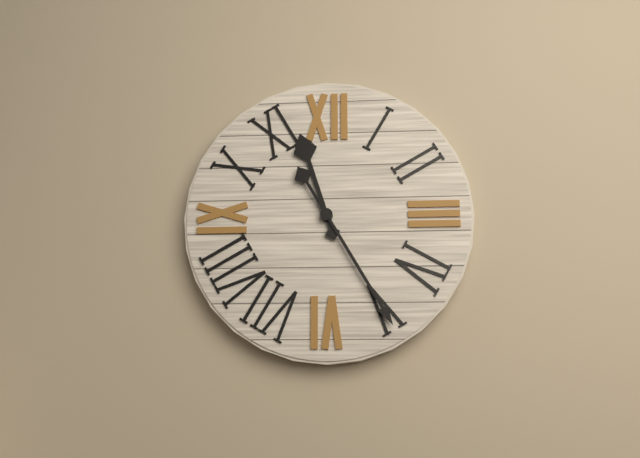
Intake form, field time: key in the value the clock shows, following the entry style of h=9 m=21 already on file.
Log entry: h=11 m=25
